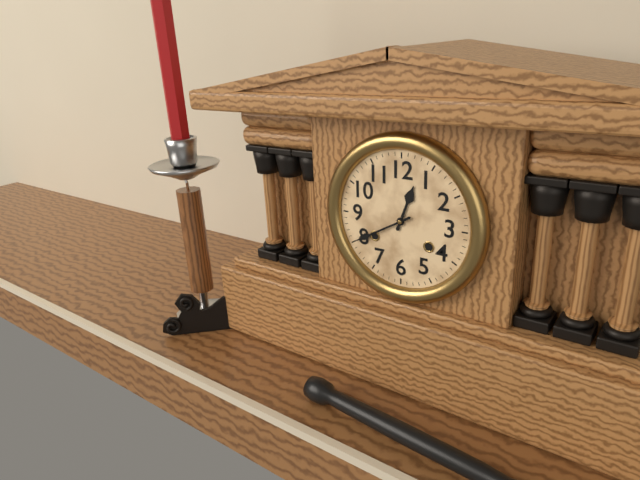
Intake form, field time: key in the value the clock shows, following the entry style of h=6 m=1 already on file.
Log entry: h=12 m=40
